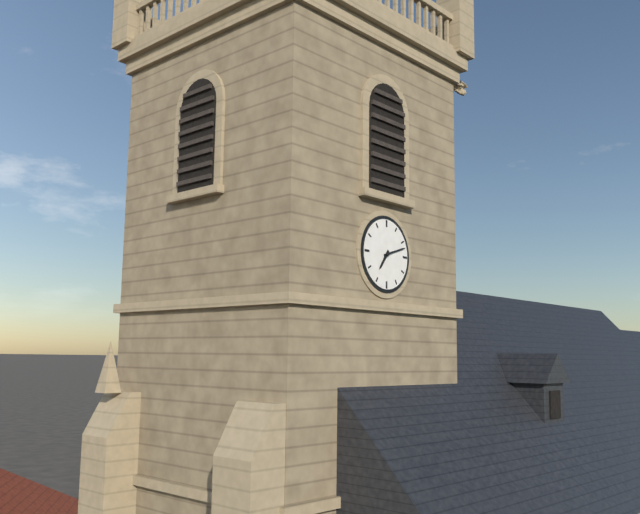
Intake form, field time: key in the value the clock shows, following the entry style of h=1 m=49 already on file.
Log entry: h=7 m=12
